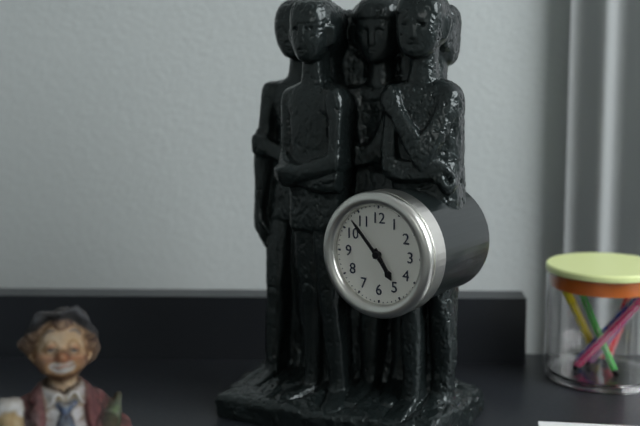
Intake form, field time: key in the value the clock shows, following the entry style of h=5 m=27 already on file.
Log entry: h=4 m=53
